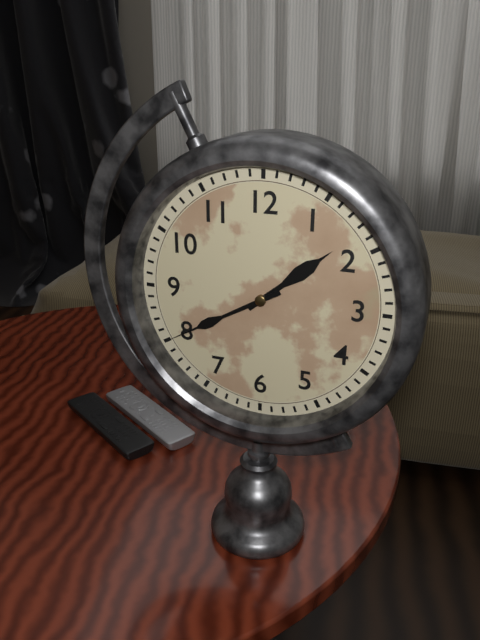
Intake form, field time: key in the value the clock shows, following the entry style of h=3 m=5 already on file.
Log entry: h=1 m=40
